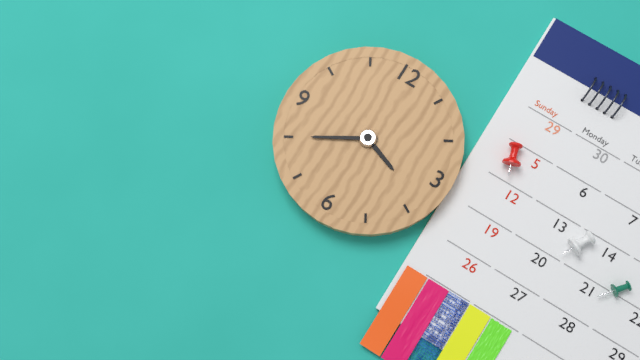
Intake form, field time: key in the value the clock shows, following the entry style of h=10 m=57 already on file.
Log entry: h=3 m=40
